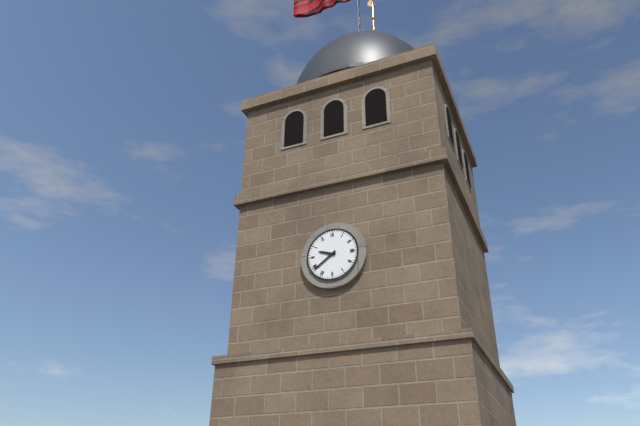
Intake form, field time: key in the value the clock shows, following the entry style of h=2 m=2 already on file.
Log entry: h=9 m=39
